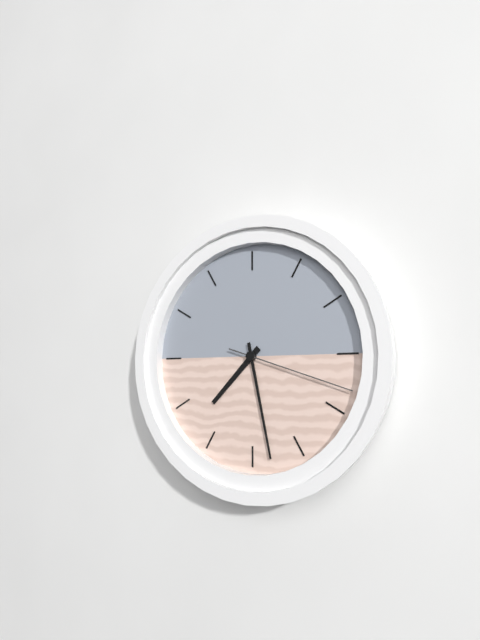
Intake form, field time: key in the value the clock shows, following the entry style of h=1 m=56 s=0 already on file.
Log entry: h=7 m=28 s=18
